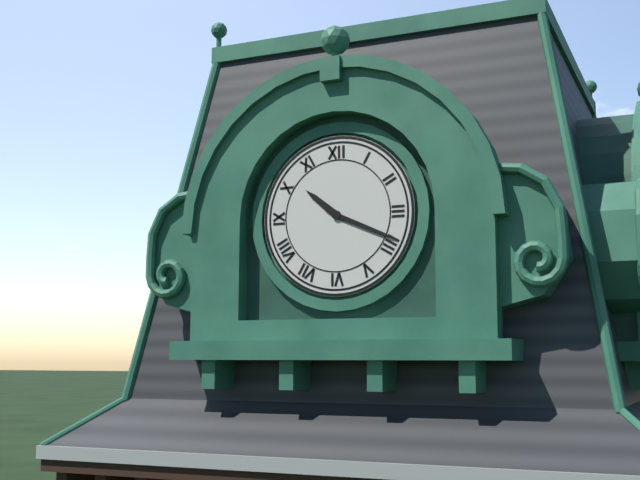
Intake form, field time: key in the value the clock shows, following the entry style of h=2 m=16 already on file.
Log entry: h=10 m=19
